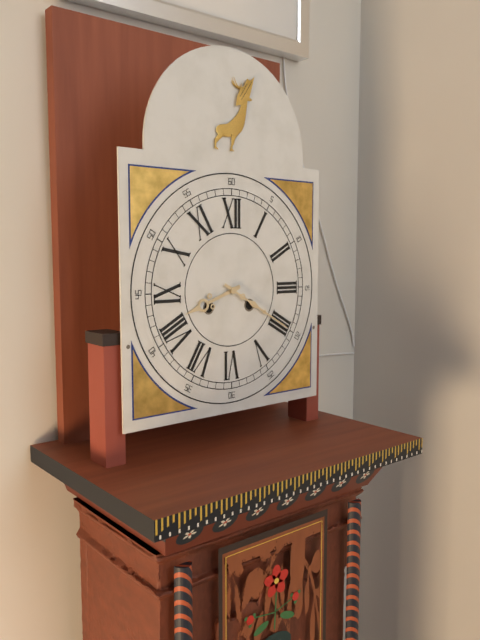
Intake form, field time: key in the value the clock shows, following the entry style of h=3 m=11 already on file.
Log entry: h=8 m=20
